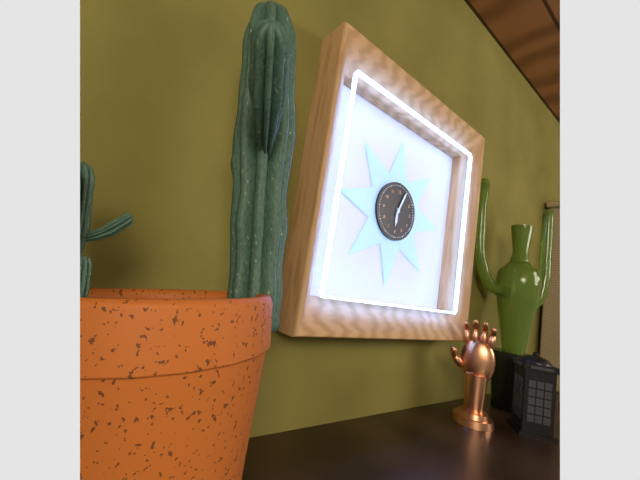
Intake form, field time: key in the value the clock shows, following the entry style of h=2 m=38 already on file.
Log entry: h=6 m=4
